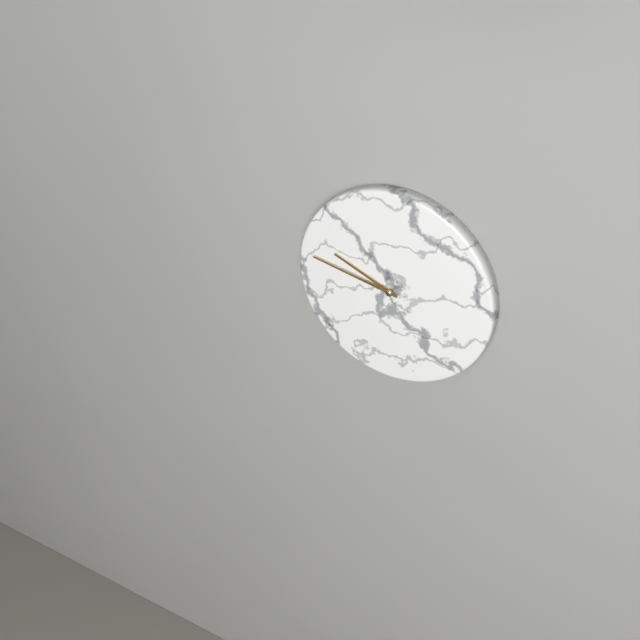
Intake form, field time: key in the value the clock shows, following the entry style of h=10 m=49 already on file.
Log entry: h=9 m=47
